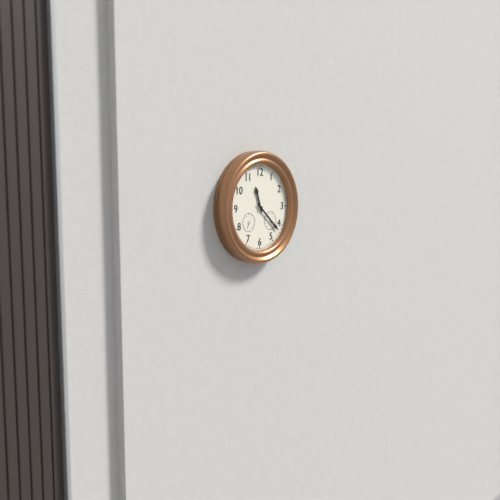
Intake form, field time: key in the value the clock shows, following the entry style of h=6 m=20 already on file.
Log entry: h=11 m=22
